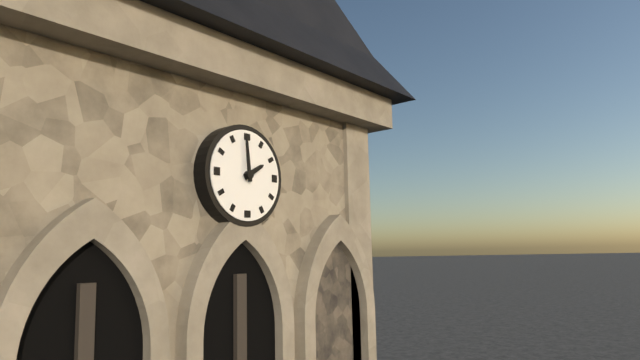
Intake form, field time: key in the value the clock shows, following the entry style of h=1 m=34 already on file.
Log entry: h=1 m=59
